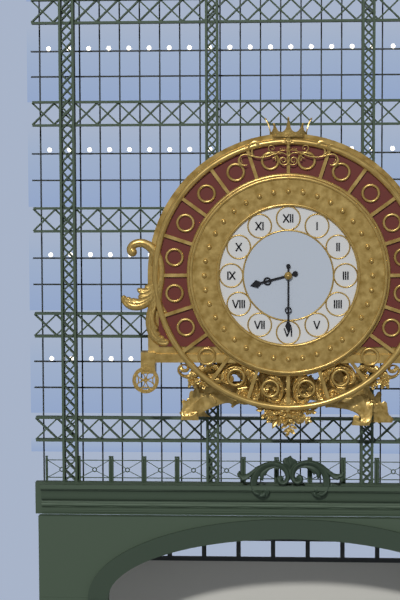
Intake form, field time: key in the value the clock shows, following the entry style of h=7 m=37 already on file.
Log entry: h=8 m=30
